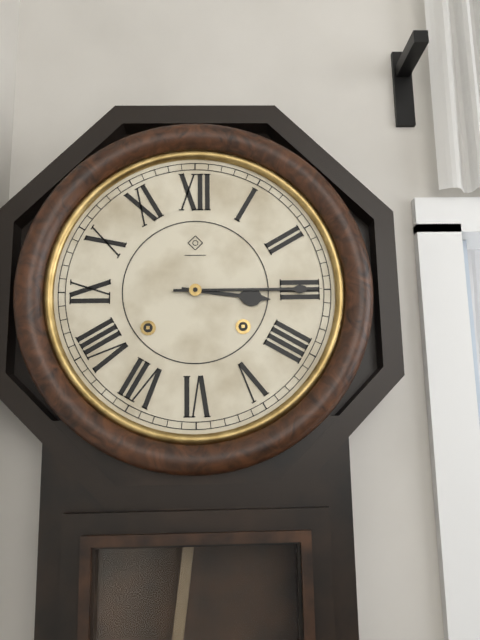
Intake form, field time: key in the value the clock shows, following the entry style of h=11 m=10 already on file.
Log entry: h=3 m=15
